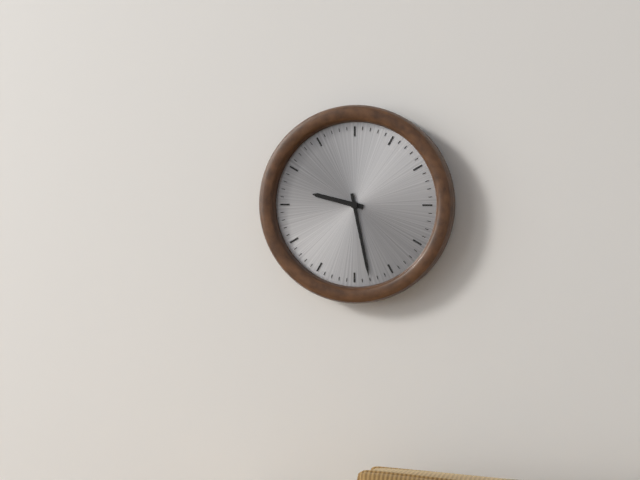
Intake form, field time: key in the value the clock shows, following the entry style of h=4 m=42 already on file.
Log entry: h=9 m=28
